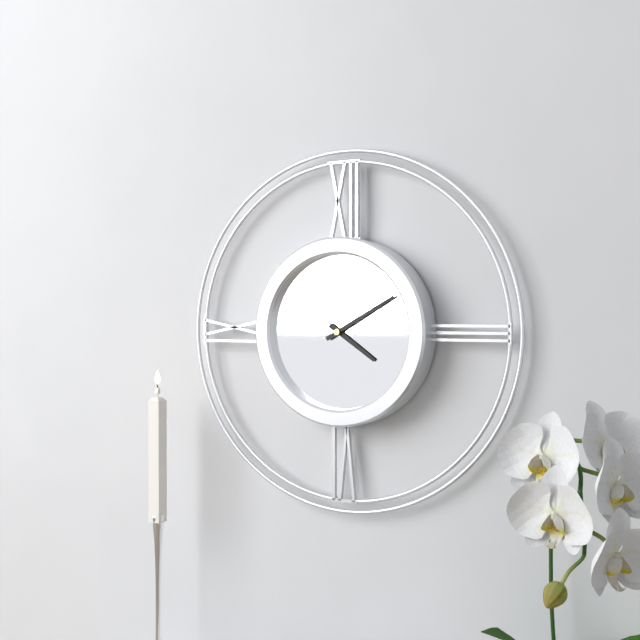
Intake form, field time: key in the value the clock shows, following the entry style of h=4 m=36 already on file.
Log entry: h=4 m=10
